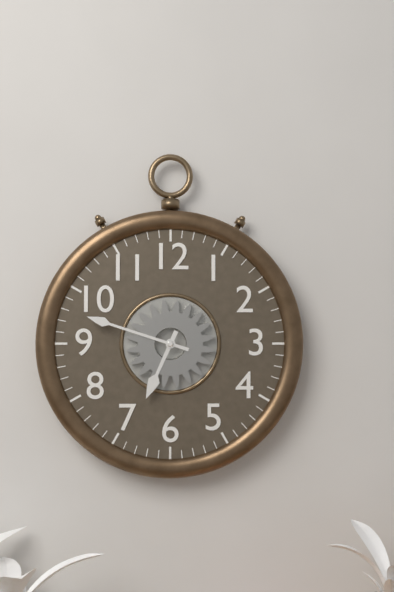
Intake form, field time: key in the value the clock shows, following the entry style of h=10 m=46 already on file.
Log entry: h=6 m=48
